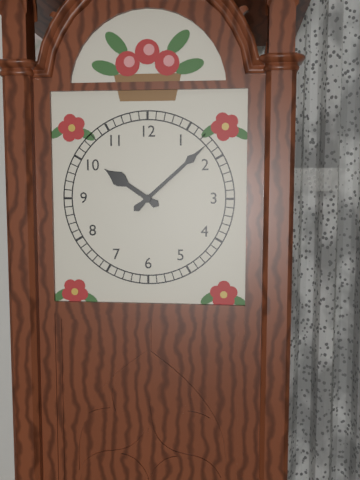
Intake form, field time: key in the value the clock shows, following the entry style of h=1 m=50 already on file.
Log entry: h=10 m=8
